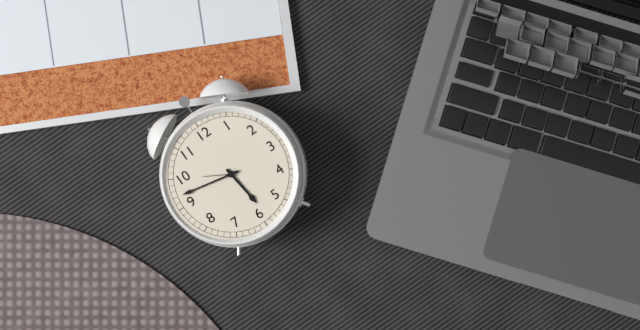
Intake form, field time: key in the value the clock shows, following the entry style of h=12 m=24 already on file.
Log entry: h=5 m=47
